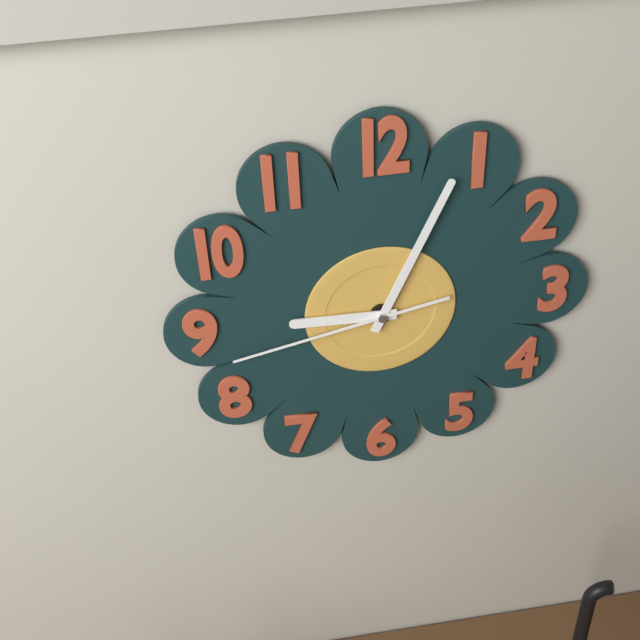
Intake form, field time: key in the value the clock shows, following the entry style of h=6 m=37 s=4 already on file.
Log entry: h=9 m=4 s=43
